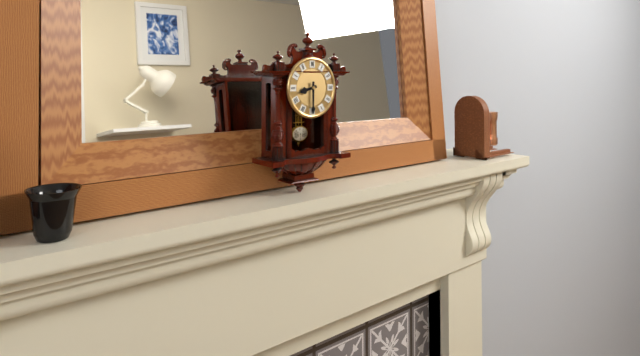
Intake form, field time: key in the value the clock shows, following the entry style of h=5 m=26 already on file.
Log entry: h=8 m=30
